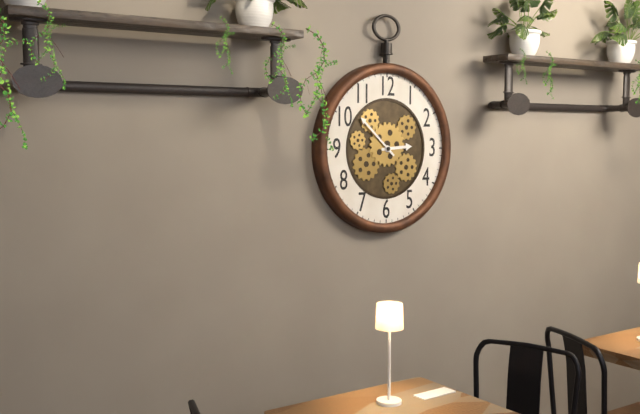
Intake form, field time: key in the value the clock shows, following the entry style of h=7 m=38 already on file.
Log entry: h=2 m=52
